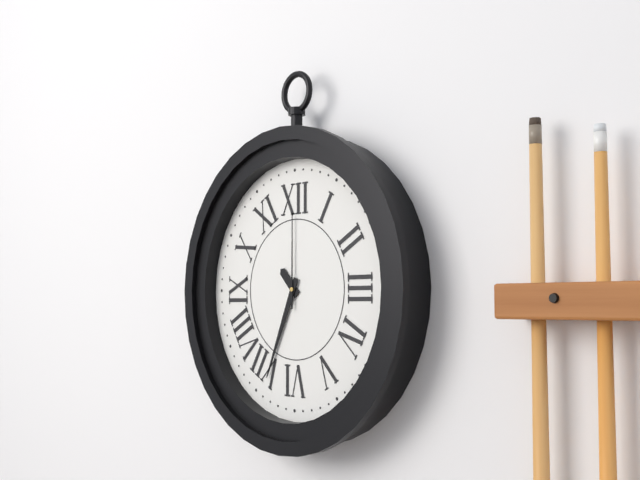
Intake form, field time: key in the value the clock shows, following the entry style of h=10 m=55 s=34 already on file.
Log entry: h=10 m=34 s=0
